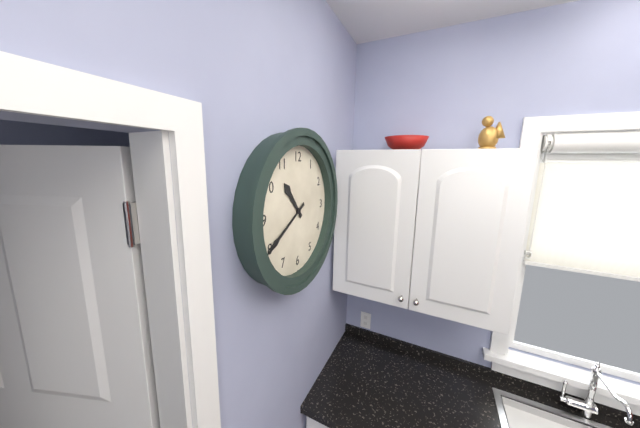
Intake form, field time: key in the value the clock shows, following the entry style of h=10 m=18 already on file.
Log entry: h=10 m=40
